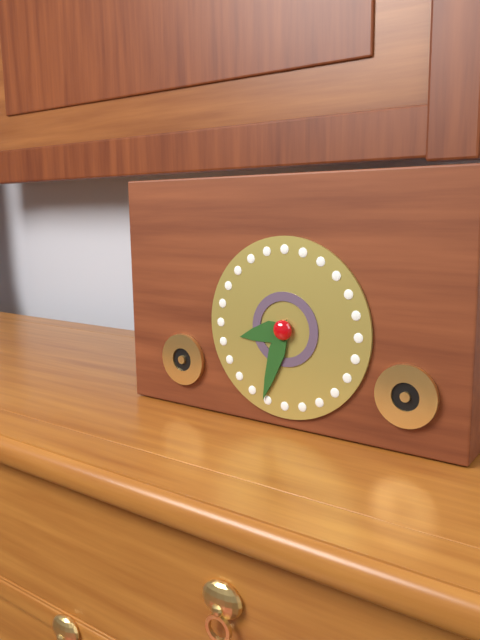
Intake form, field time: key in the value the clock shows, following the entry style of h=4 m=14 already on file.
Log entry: h=8 m=33
